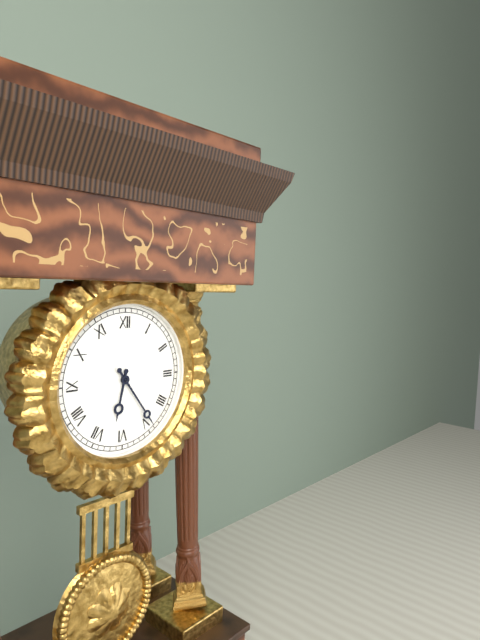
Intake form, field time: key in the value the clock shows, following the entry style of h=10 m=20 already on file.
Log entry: h=6 m=24
